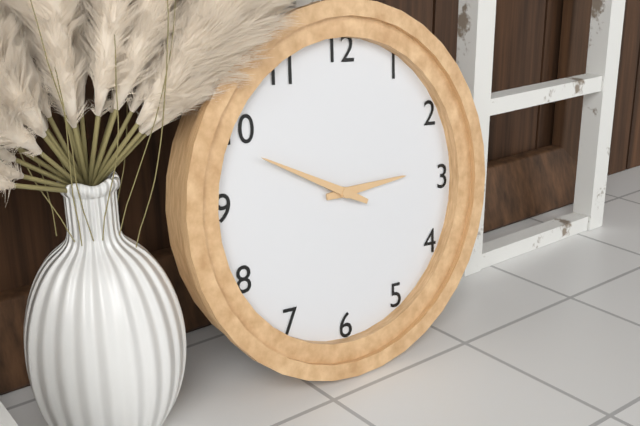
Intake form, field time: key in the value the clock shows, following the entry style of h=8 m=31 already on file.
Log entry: h=2 m=49
